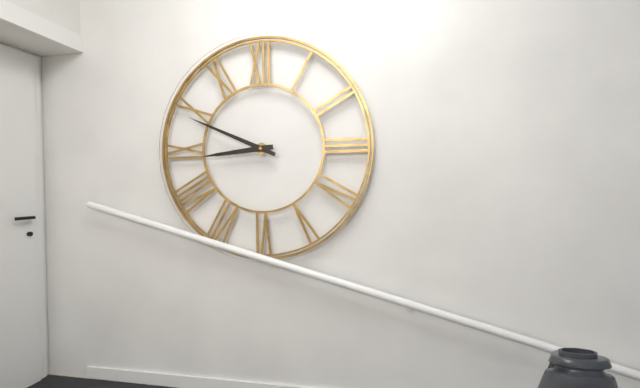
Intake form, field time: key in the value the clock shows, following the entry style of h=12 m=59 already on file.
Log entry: h=8 m=49
